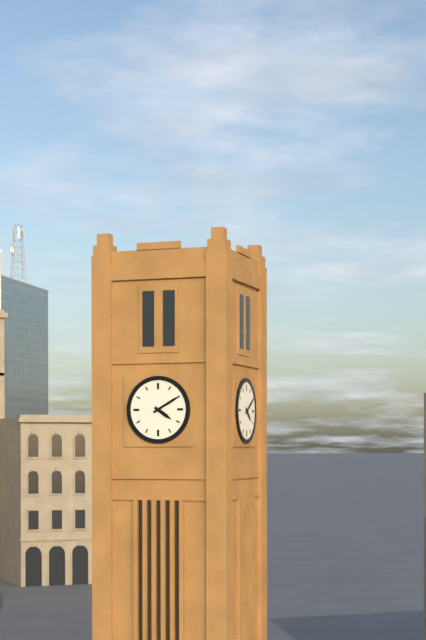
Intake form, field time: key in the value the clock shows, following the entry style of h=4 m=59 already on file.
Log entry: h=4 m=10
